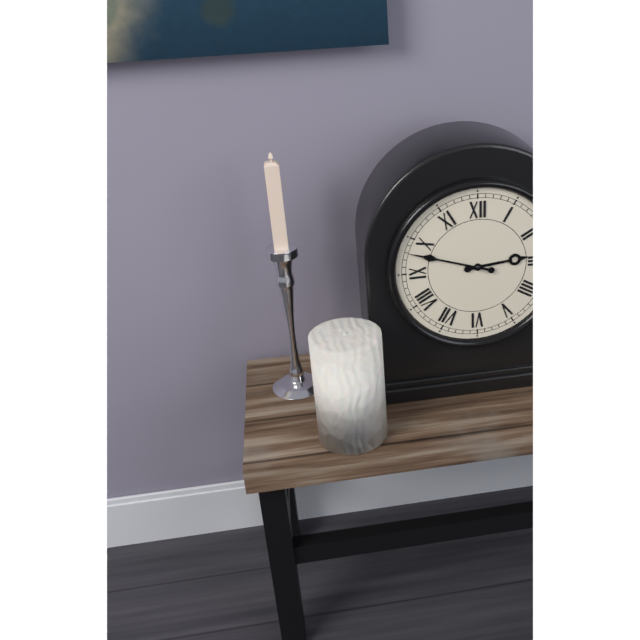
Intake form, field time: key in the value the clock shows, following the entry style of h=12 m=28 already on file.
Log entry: h=2 m=48
